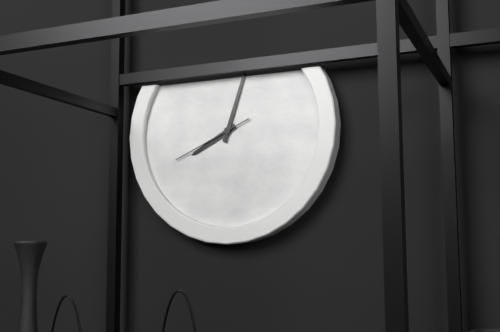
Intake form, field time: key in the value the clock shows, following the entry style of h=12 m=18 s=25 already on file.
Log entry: h=8 m=3 s=41
